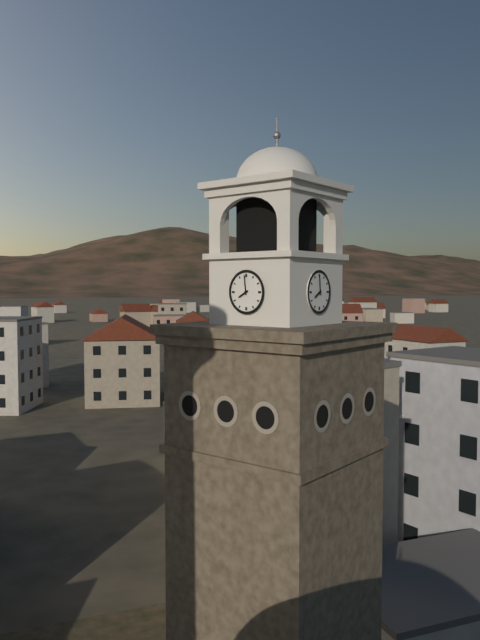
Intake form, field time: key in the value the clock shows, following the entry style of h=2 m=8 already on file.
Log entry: h=7 m=59
